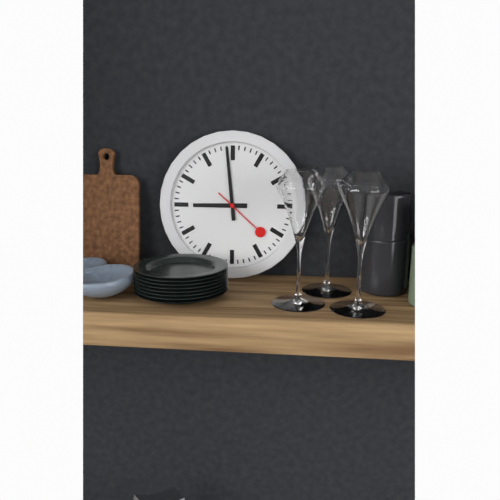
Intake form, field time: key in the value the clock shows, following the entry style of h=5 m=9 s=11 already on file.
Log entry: h=8 m=59 s=22
